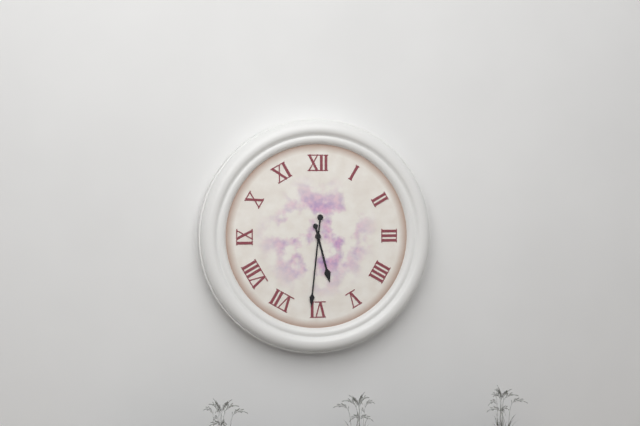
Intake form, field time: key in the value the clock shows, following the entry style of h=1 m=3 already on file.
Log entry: h=5 m=31
